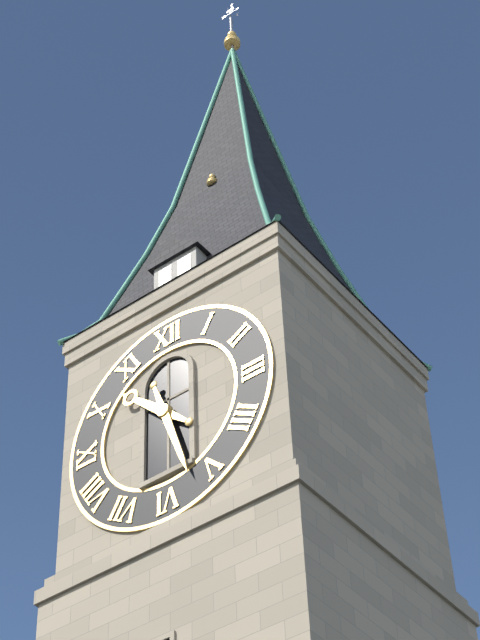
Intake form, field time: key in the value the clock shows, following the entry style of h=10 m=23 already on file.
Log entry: h=10 m=27
